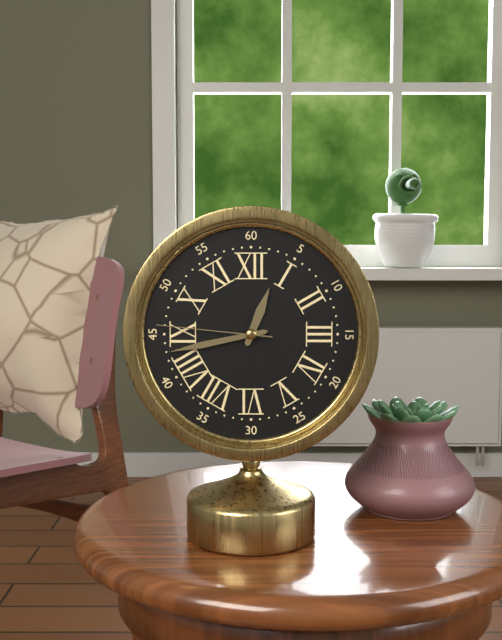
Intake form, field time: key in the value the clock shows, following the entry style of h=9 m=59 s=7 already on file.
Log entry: h=12 m=43 s=46
